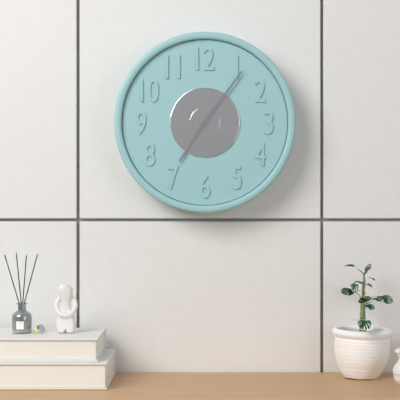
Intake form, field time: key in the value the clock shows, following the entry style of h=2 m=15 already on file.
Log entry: h=7 m=6
